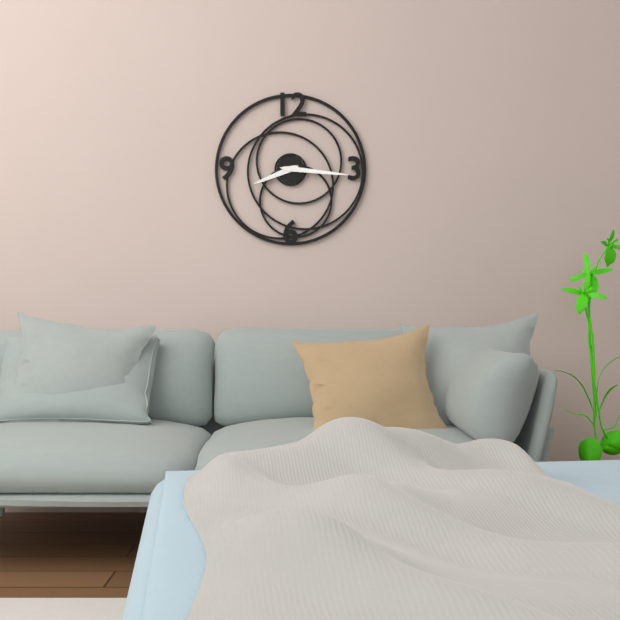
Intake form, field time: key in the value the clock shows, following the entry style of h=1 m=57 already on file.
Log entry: h=8 m=16
